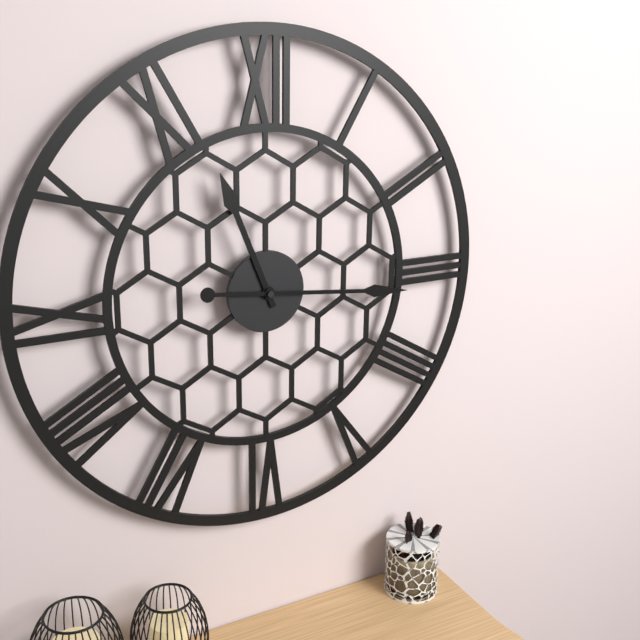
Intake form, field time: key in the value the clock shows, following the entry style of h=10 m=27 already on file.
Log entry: h=11 m=16
